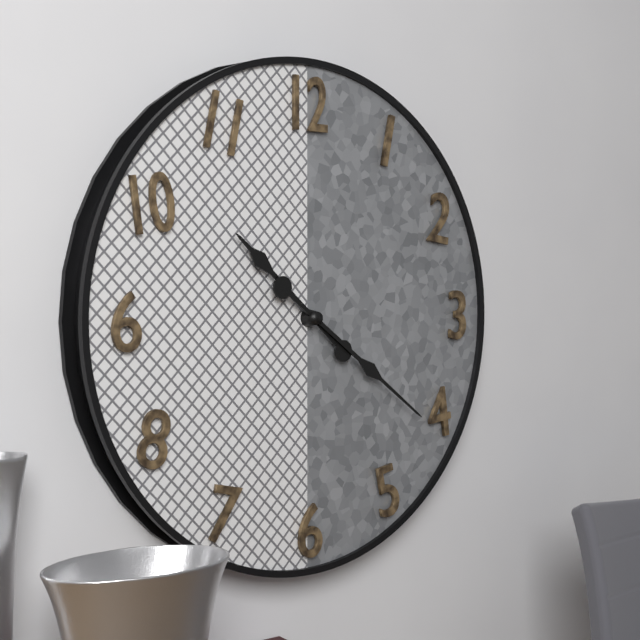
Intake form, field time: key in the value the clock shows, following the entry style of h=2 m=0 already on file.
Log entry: h=10 m=21
